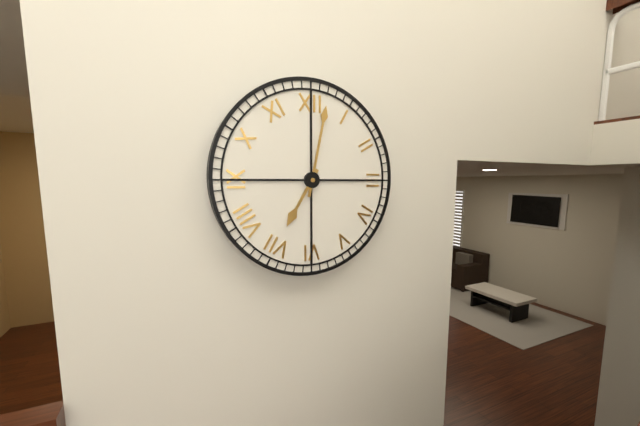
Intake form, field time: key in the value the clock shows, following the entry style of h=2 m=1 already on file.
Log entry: h=7 m=2
